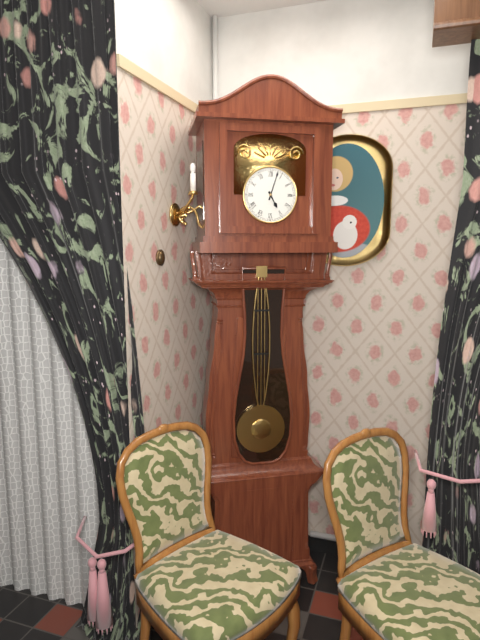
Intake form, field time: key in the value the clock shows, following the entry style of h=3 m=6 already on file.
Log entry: h=5 m=3
